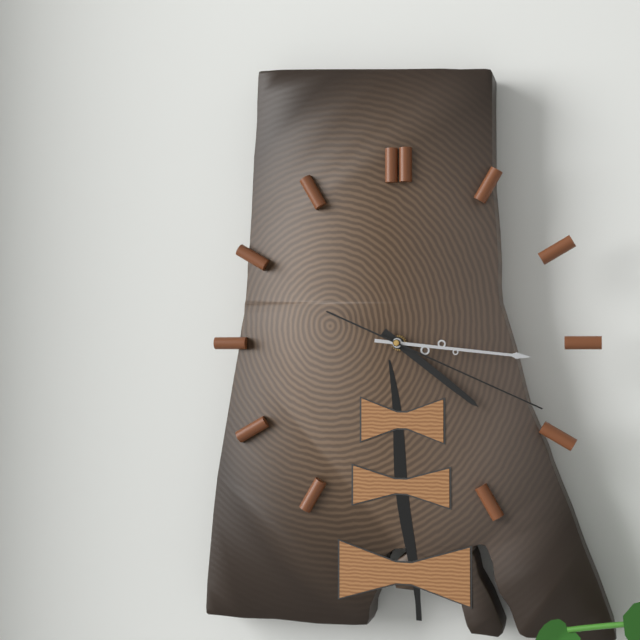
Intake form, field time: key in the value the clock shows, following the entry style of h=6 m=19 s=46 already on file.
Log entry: h=4 m=16 s=19
